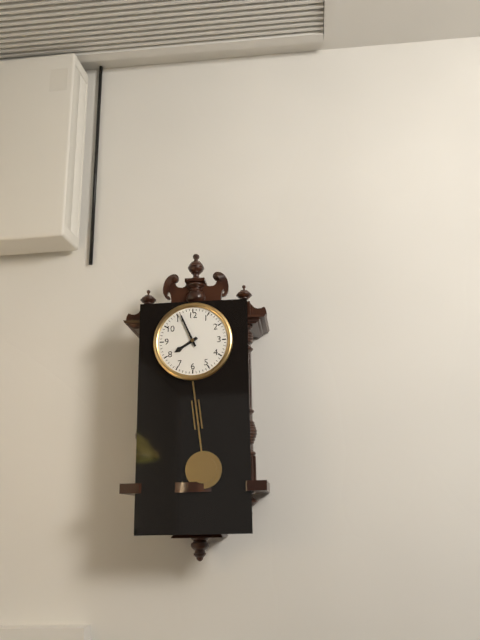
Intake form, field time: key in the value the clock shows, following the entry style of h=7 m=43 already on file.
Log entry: h=7 m=56
